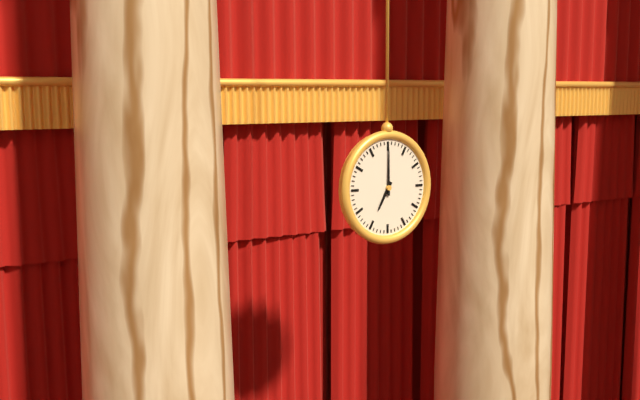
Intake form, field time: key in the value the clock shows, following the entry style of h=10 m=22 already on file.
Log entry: h=7 m=0
